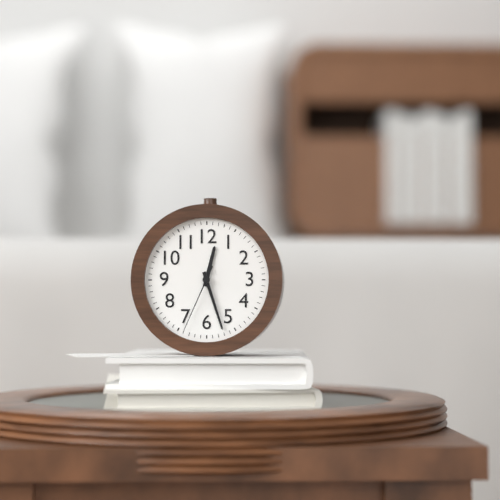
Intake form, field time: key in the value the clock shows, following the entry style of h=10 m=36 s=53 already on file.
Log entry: h=12 m=27 s=34
